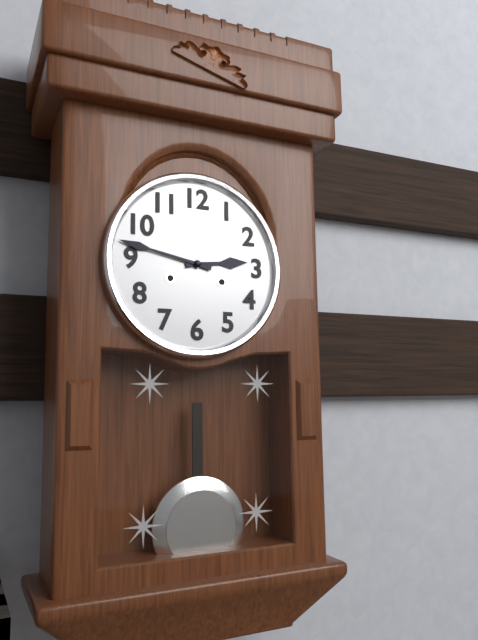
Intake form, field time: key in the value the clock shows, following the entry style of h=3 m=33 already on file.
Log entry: h=2 m=47
